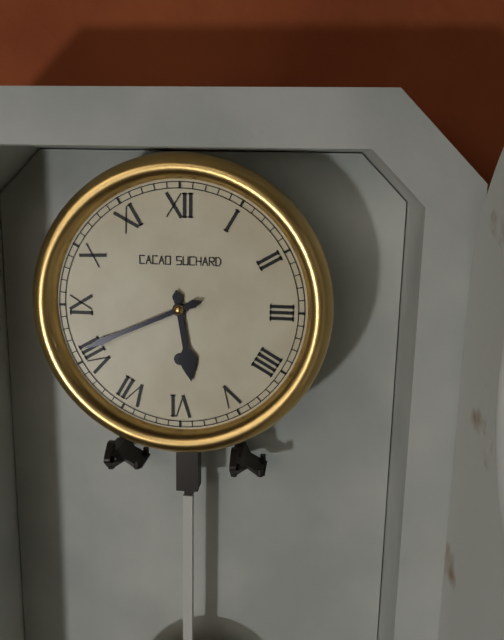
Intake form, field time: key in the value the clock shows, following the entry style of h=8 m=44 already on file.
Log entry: h=5 m=41
